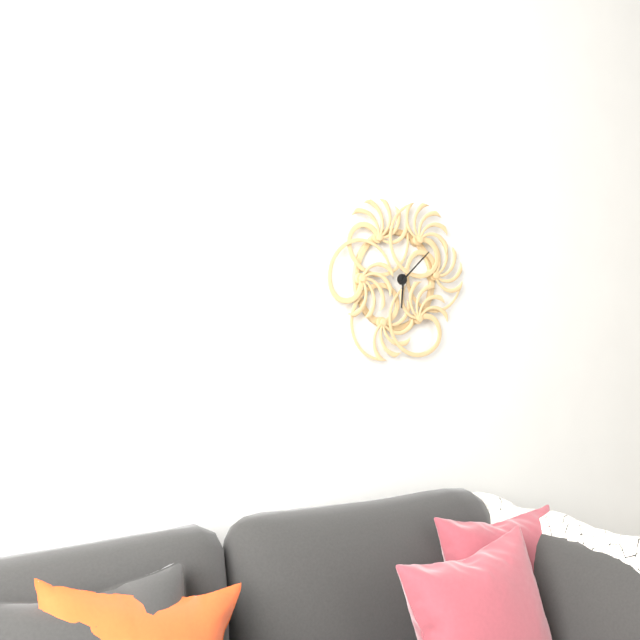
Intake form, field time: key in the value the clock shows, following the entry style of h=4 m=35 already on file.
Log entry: h=6 m=8
